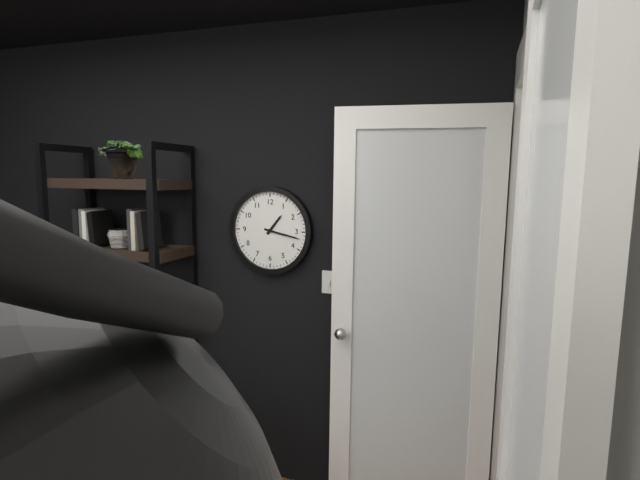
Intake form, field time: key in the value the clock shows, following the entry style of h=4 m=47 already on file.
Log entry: h=1 m=17
